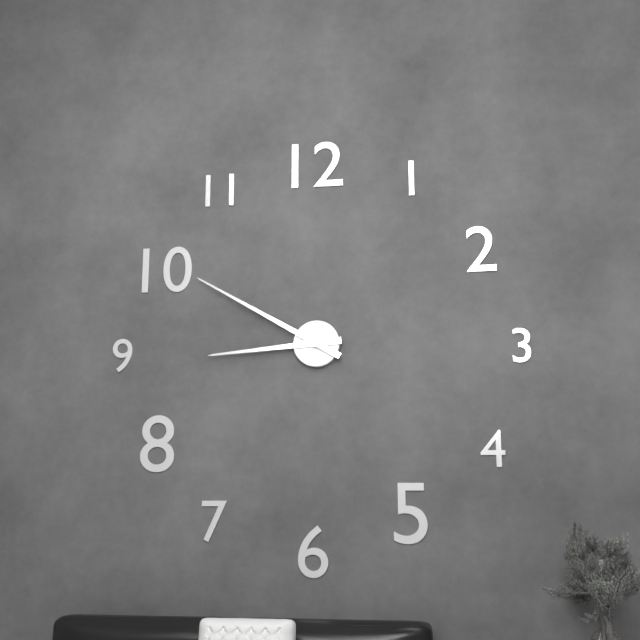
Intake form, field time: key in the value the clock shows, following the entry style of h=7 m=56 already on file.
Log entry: h=8 m=50
